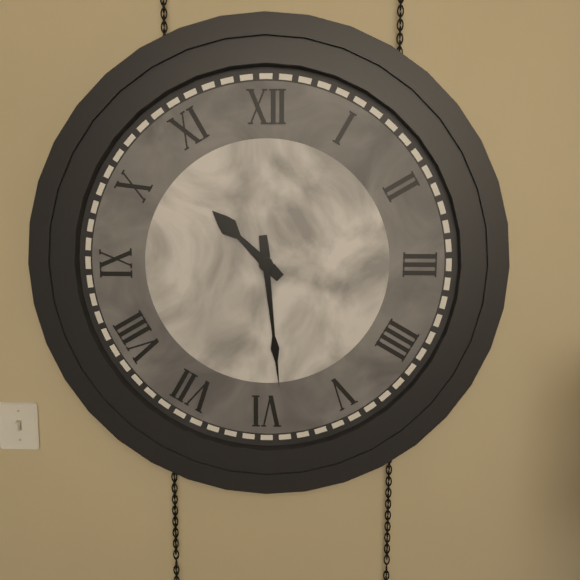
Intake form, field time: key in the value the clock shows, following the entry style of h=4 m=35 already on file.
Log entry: h=10 m=29
